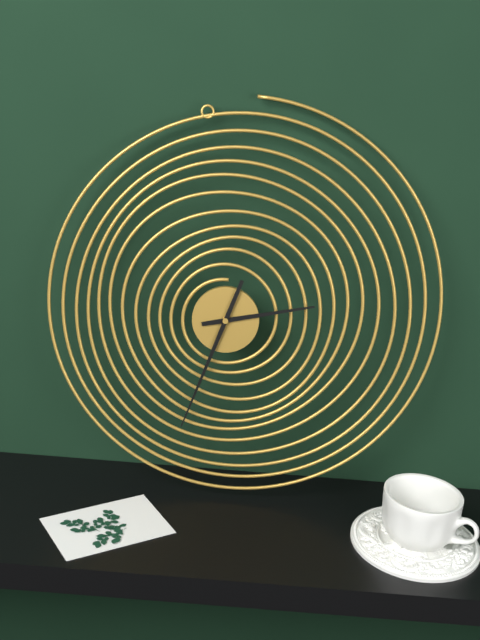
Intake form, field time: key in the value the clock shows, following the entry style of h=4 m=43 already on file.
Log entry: h=2 m=33
